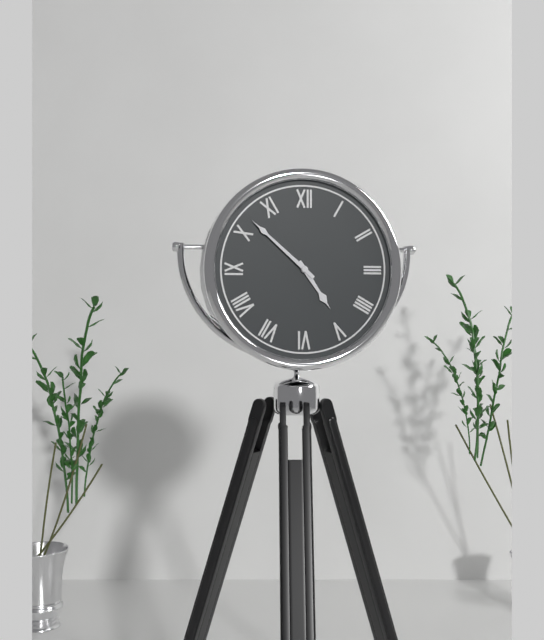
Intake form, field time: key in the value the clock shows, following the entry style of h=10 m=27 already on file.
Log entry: h=4 m=52
